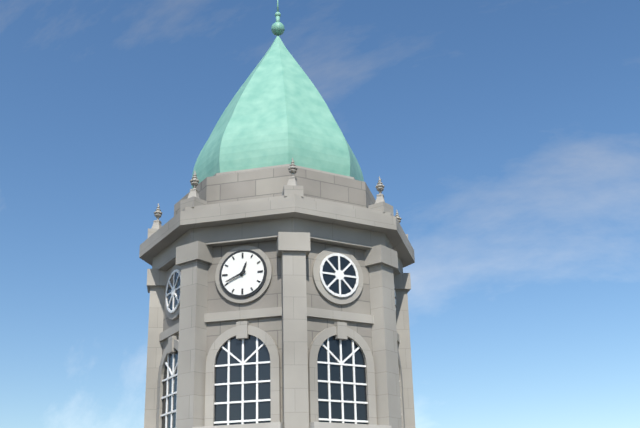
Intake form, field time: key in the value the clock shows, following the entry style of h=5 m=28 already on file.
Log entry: h=12 m=41
